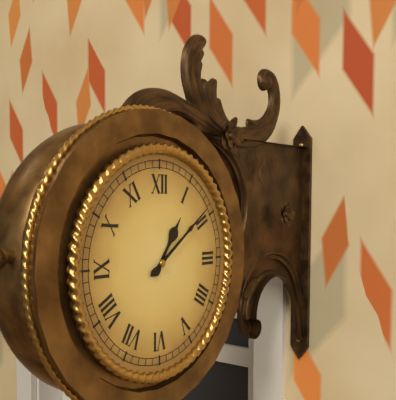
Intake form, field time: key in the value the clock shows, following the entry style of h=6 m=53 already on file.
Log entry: h=1 m=9
